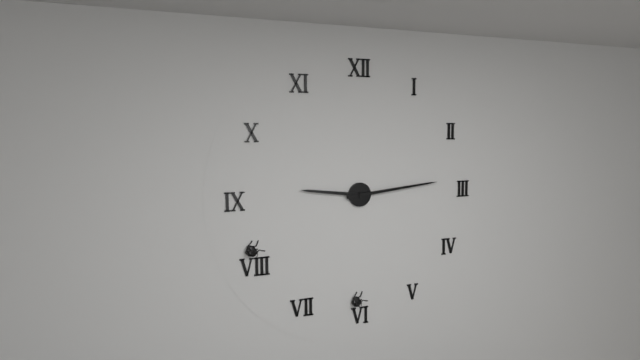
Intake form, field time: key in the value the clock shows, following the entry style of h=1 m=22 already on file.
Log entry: h=9 m=14
